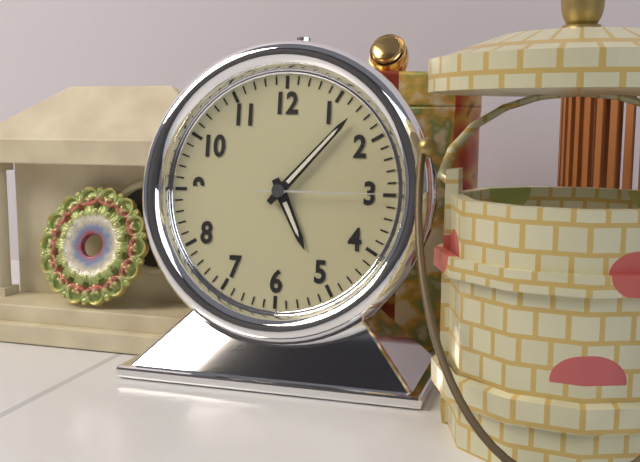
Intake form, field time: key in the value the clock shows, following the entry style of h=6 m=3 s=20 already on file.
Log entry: h=5 m=7 s=15
